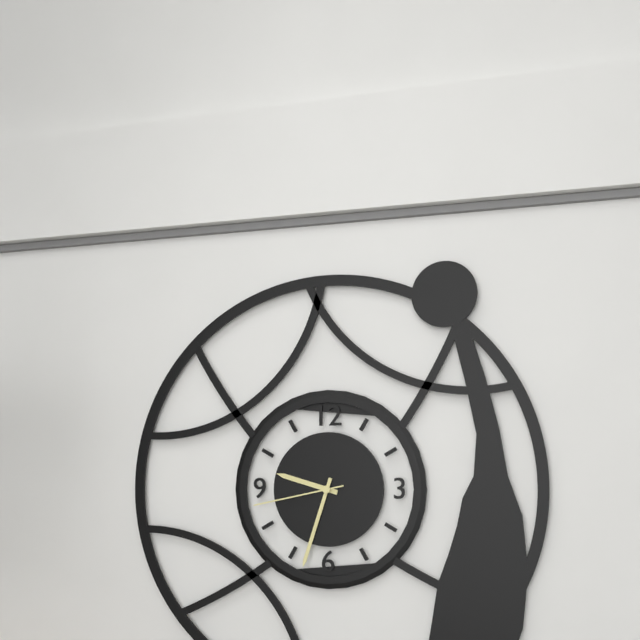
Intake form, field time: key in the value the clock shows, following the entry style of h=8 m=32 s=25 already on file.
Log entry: h=9 m=33 s=43
